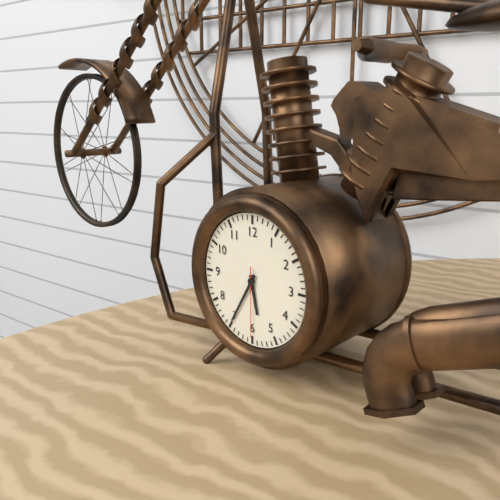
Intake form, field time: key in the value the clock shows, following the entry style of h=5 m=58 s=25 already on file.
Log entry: h=5 m=35 s=30
